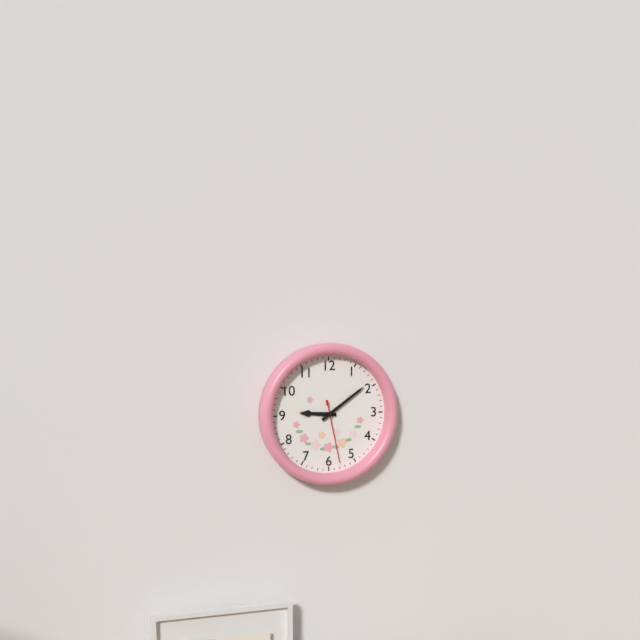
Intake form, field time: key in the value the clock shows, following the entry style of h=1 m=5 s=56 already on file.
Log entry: h=9 m=9 s=28
